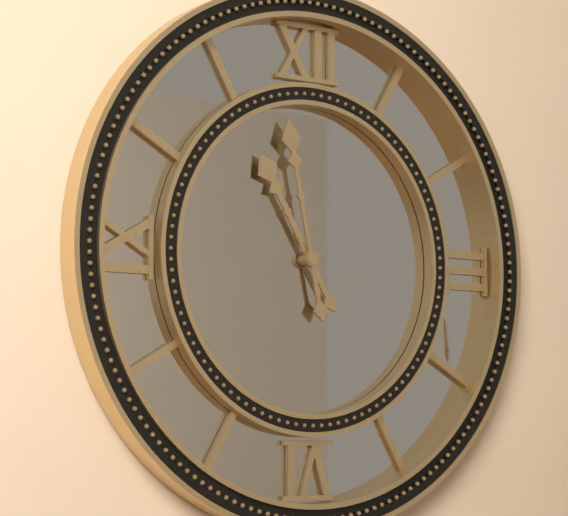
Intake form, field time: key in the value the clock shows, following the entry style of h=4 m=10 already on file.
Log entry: h=10 m=58
